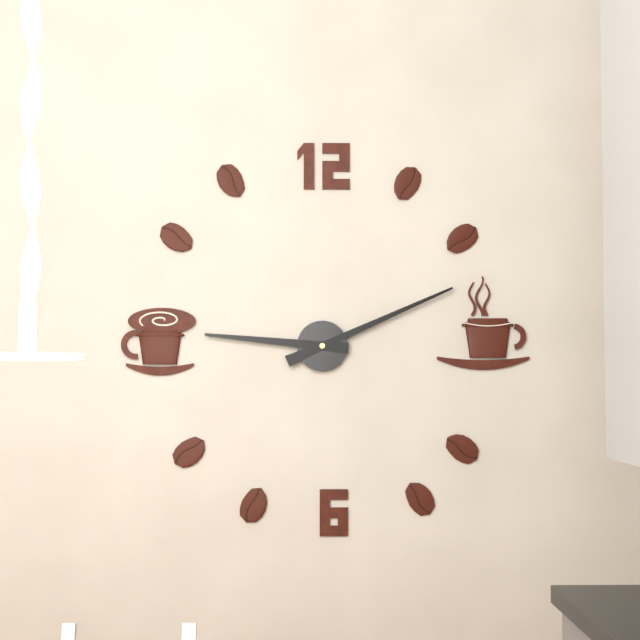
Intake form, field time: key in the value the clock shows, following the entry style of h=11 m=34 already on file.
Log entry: h=9 m=11
